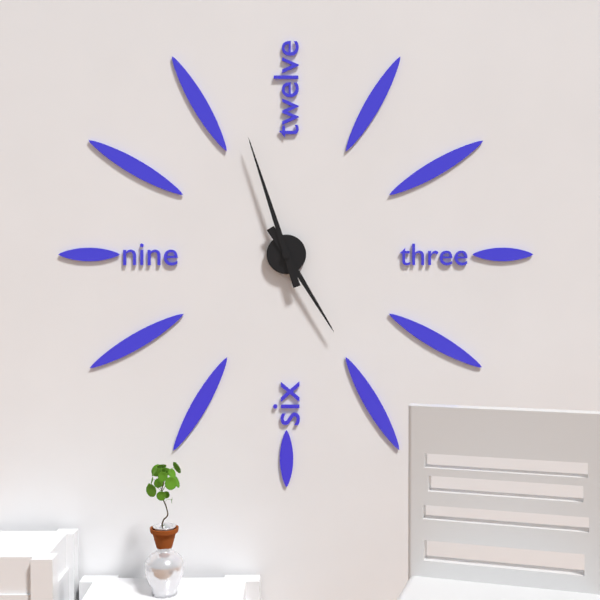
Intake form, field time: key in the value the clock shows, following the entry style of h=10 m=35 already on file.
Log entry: h=4 m=57
